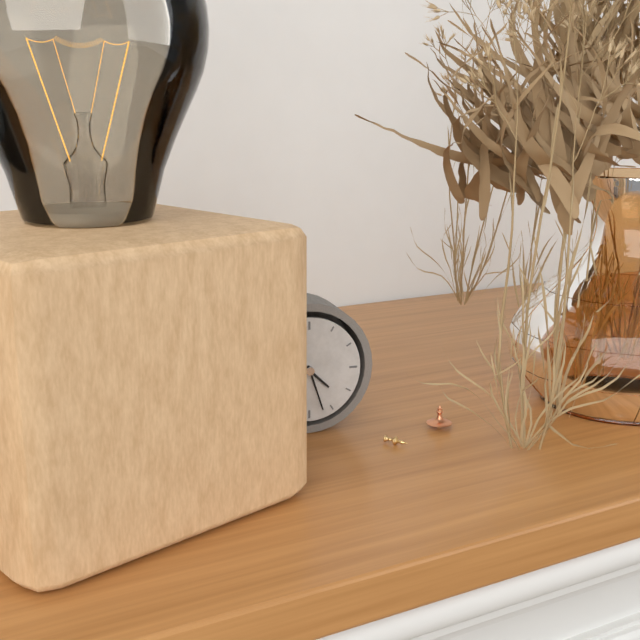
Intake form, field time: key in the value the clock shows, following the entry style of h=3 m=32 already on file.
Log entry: h=4 m=27
